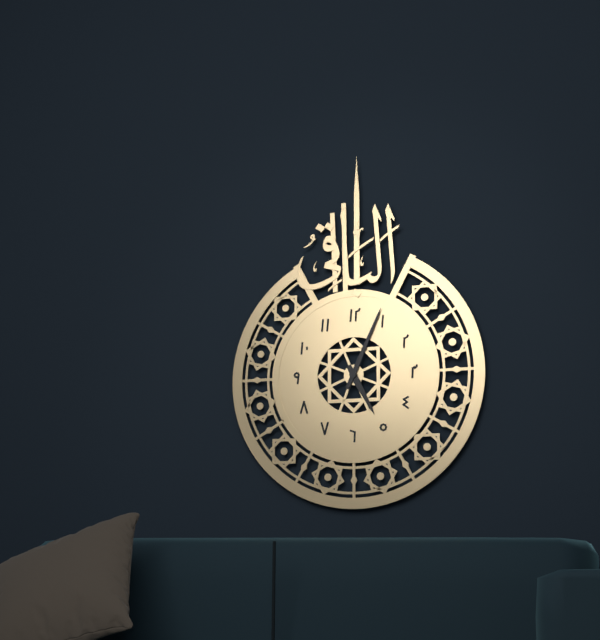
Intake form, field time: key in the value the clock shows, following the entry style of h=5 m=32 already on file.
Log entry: h=5 m=4
